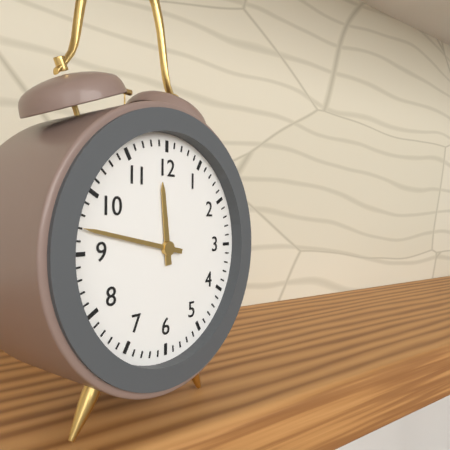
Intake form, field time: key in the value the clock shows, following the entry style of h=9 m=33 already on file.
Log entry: h=11 m=47
